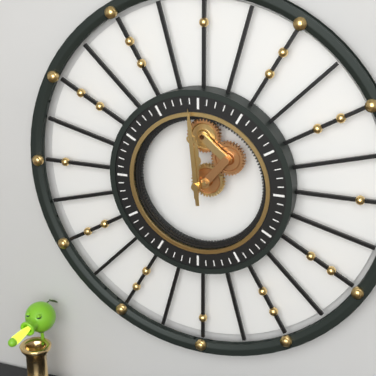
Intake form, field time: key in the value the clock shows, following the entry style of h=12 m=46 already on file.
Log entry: h=11 m=59
